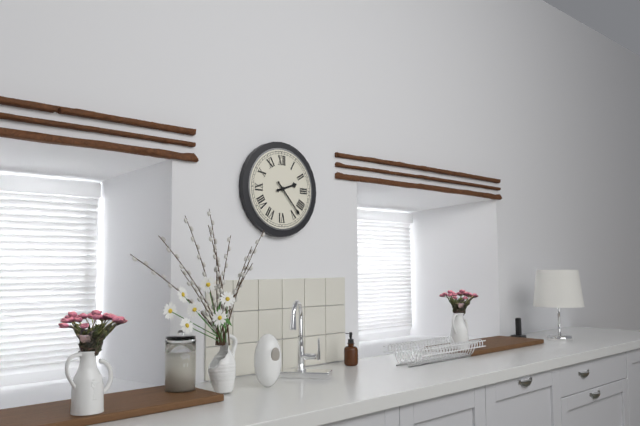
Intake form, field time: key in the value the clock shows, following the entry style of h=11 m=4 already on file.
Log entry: h=2 m=23
